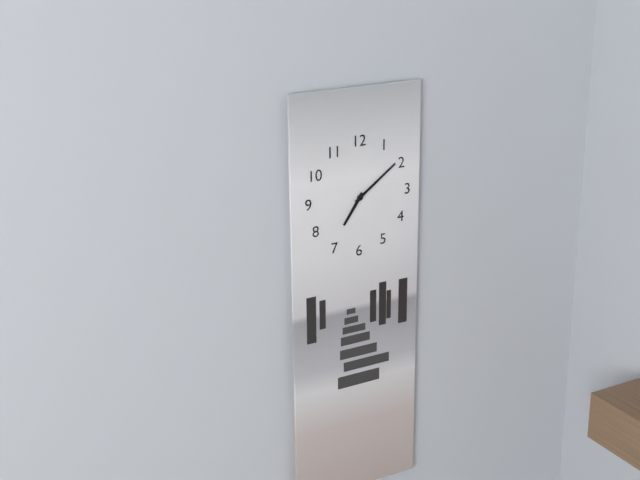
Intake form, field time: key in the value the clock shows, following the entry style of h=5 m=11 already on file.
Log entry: h=7 m=9
